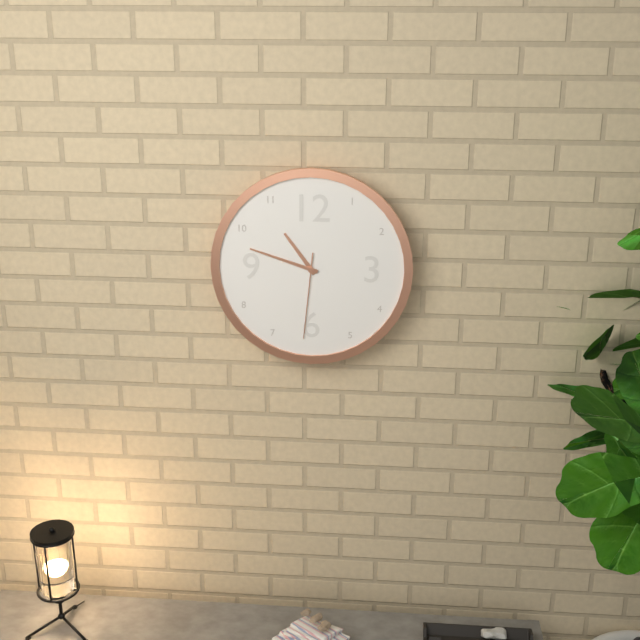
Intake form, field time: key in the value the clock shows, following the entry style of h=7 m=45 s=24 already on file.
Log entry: h=10 m=48 s=31
